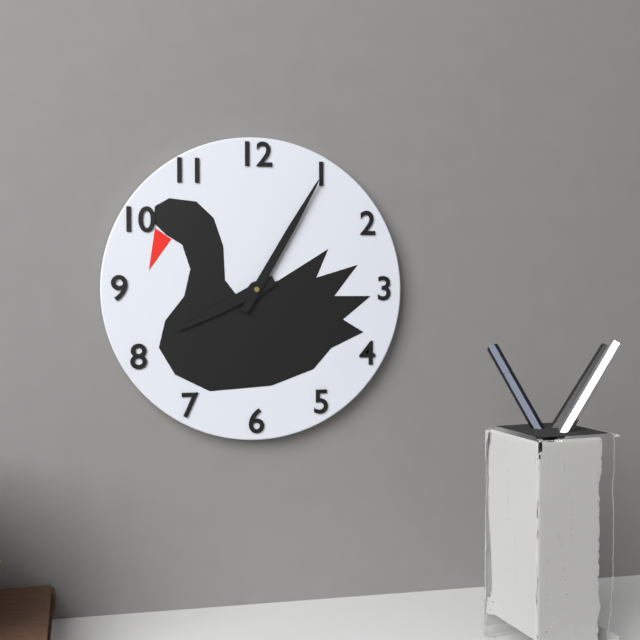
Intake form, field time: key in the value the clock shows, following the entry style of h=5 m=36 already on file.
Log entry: h=8 m=5
